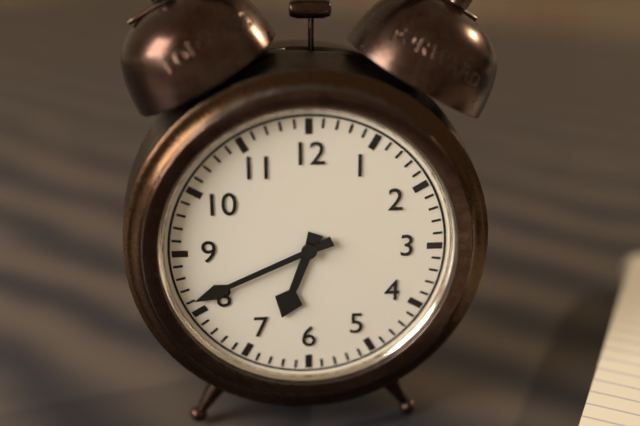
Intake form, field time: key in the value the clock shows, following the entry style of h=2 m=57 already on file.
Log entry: h=6 m=41
